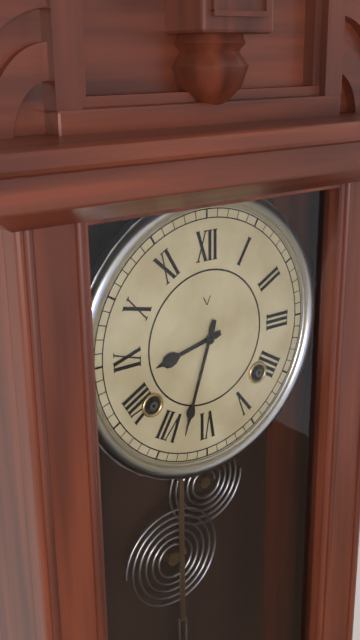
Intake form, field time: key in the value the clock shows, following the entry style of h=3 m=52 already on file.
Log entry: h=8 m=33
